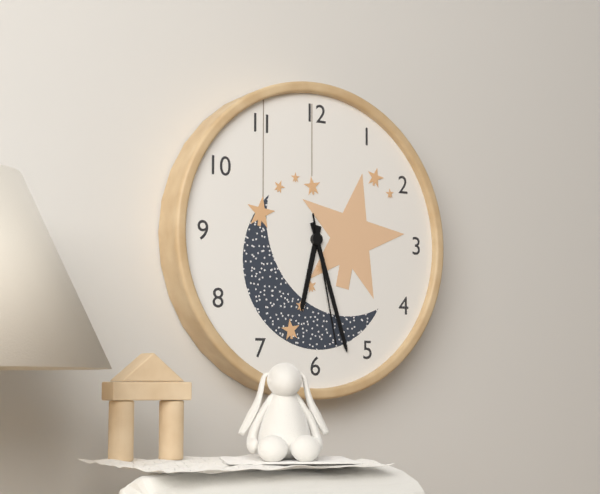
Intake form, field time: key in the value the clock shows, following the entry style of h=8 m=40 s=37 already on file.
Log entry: h=6 m=27 s=28
